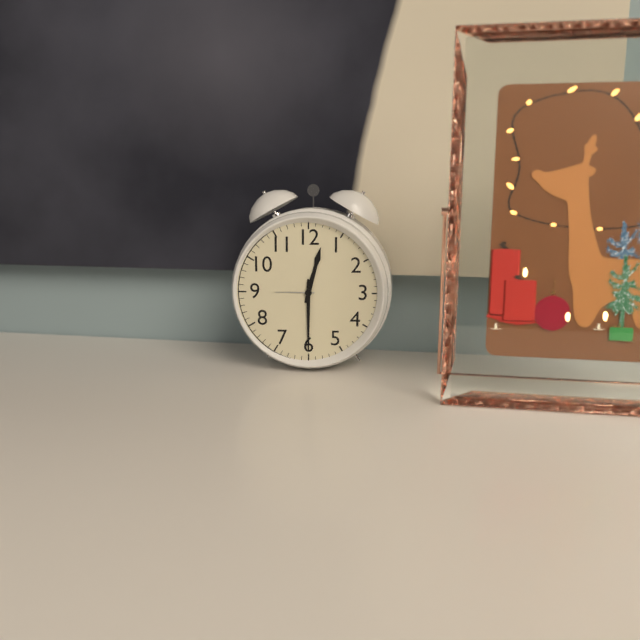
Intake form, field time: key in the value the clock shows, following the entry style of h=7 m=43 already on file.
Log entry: h=12 m=30
